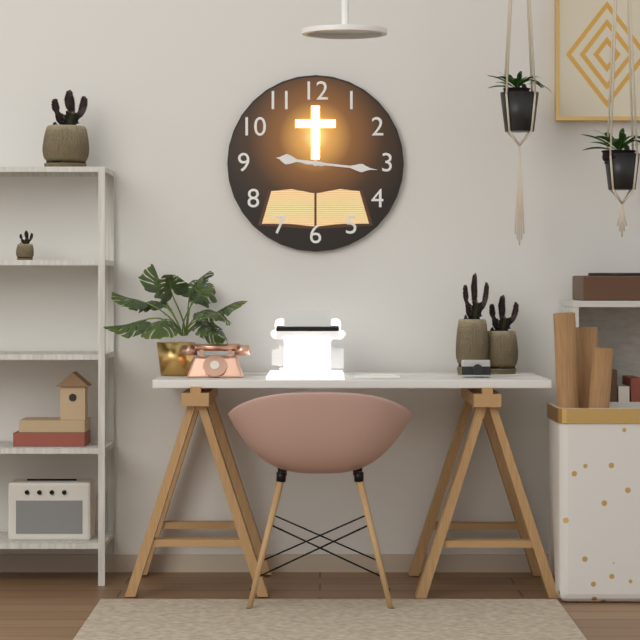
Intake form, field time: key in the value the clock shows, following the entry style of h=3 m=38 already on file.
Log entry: h=9 m=16
